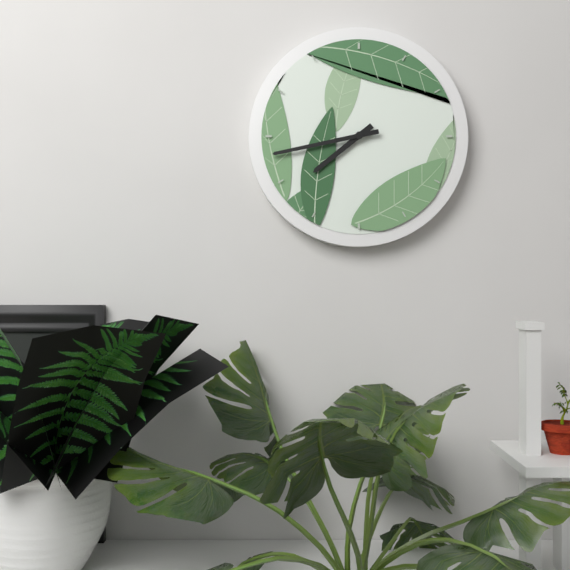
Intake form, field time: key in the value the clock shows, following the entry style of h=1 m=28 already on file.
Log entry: h=7 m=43
